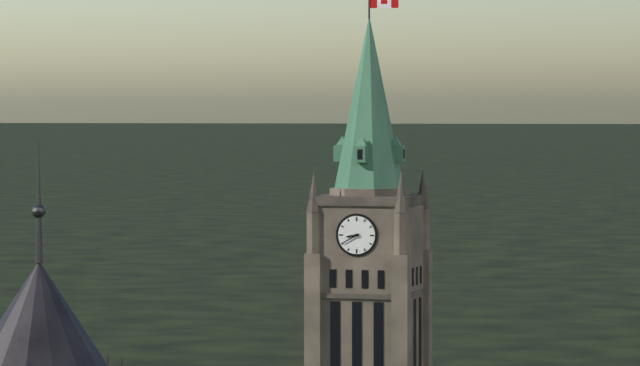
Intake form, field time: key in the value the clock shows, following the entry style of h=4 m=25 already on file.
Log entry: h=8 m=40
